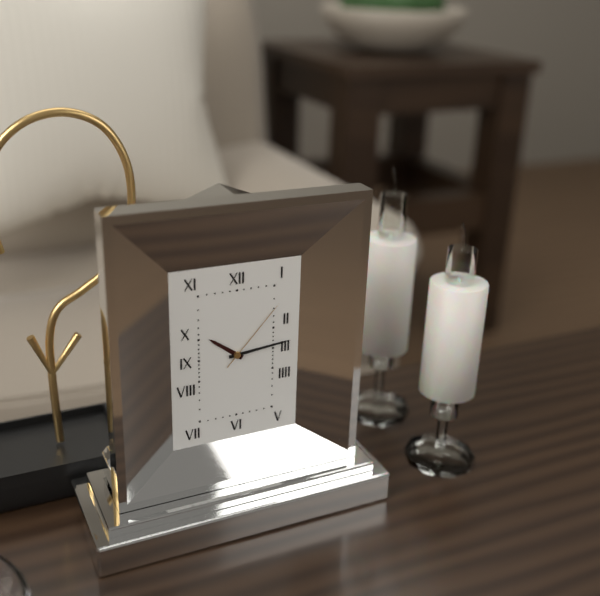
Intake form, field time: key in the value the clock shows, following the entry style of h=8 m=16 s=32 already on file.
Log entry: h=10 m=14 s=7
